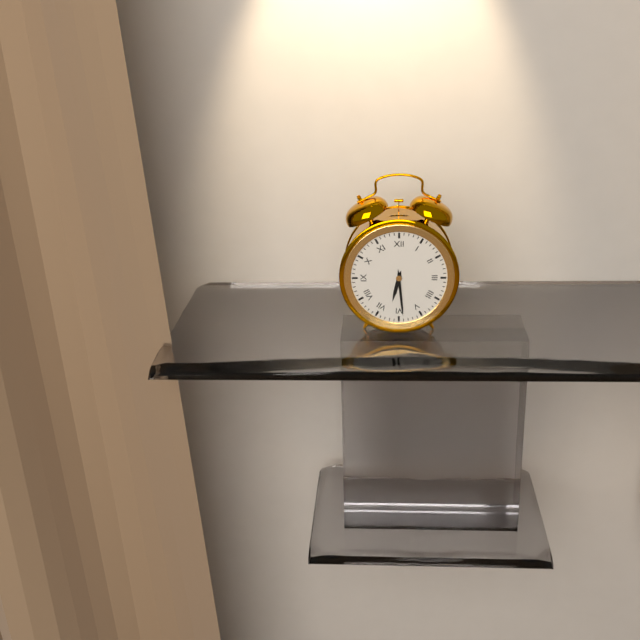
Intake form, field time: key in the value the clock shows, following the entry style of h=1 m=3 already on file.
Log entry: h=6 m=29
